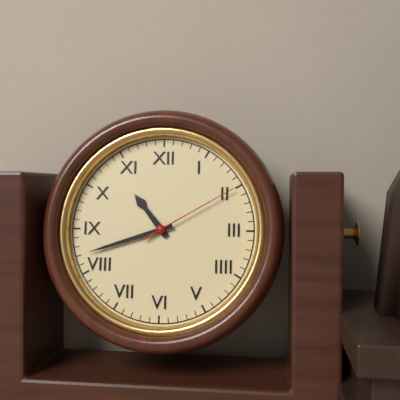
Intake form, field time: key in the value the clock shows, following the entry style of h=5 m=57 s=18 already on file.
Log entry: h=10 m=42 s=10
